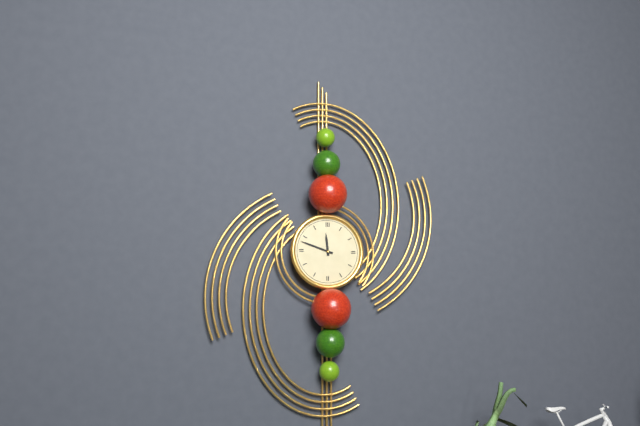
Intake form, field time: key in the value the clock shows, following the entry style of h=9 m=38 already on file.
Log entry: h=11 m=48
